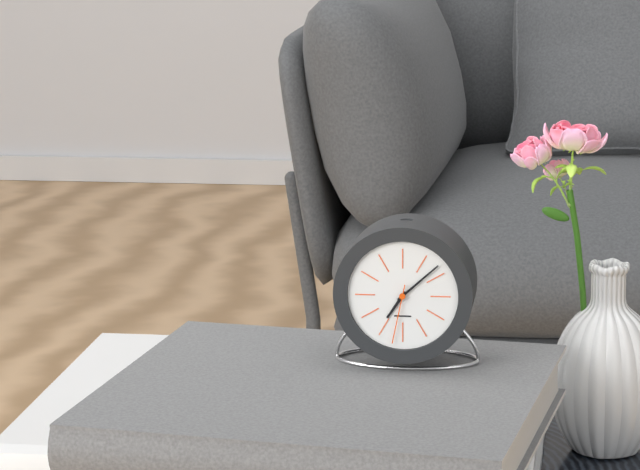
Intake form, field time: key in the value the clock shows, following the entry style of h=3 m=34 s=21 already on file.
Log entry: h=7 m=8 s=32
